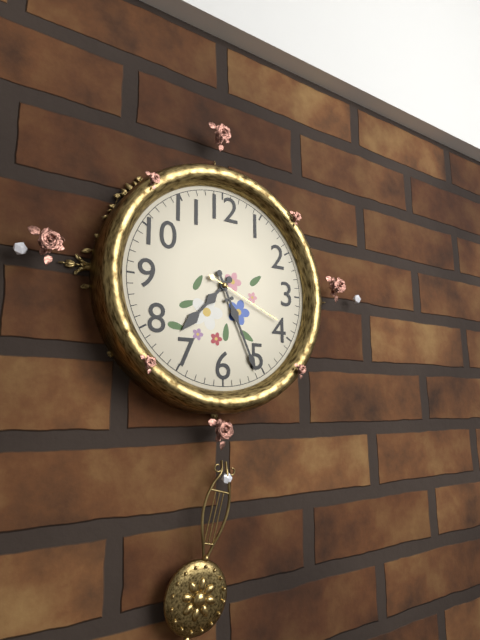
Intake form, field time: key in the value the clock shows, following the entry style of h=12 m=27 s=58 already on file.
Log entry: h=7 m=26 s=19
